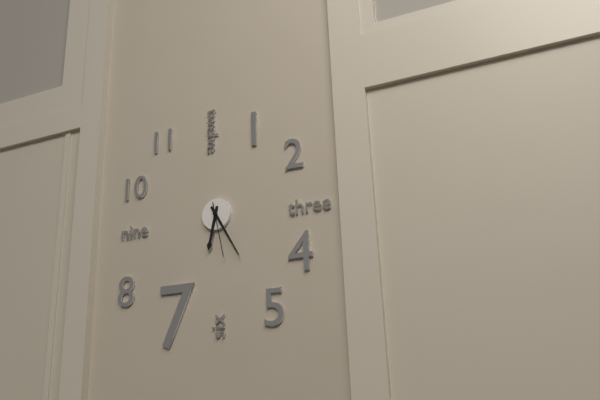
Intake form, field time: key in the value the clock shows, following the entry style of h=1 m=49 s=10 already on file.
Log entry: h=6 m=25 s=28
